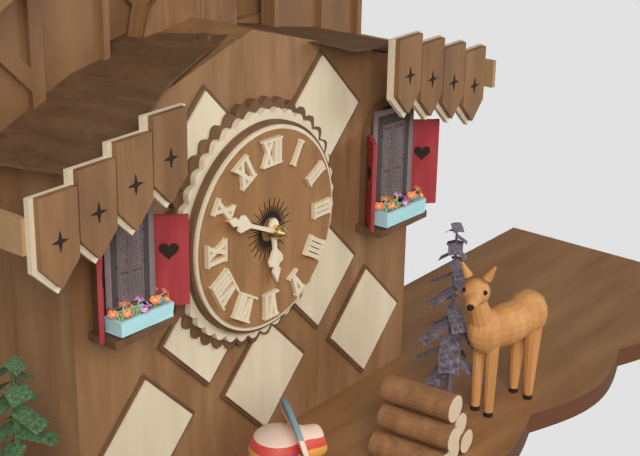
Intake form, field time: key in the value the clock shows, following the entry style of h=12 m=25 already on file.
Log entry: h=5 m=49
